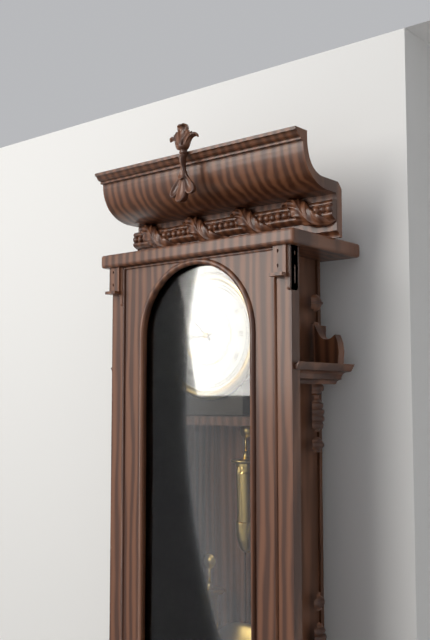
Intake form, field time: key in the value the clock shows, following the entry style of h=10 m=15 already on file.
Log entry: h=8 m=52
